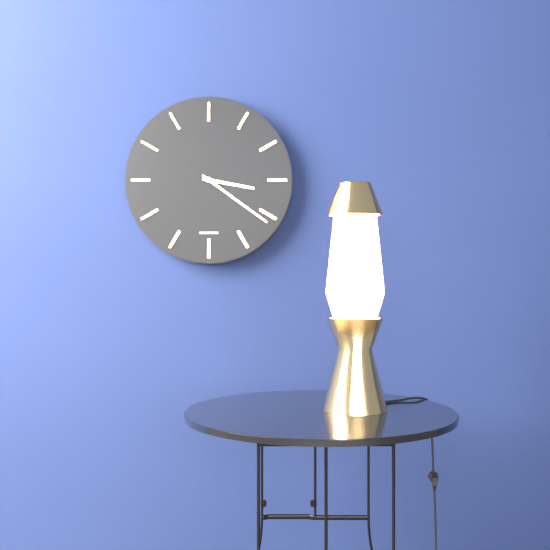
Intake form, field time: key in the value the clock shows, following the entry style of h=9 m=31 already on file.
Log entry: h=3 m=21
